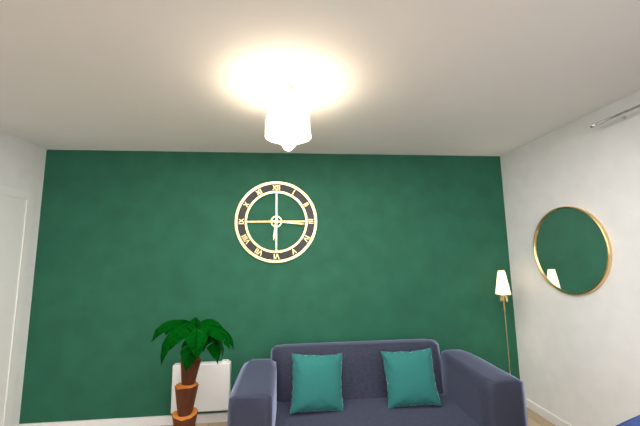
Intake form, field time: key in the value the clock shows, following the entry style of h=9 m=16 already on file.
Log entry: h=6 m=16
